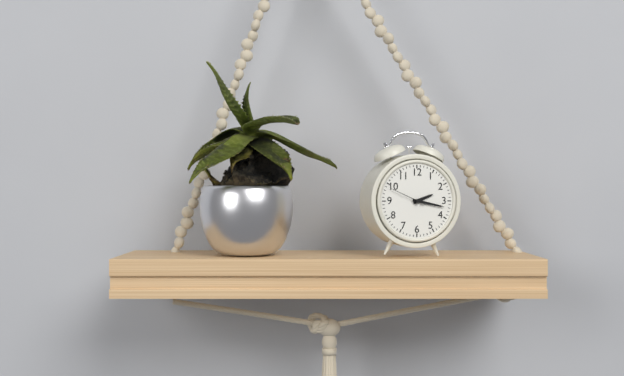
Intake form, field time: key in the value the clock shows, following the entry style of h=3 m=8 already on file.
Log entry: h=2 m=17
